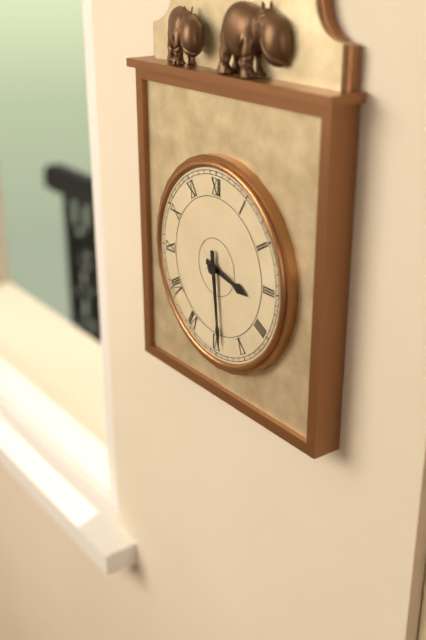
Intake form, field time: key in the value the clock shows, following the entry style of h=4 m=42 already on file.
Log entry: h=3 m=29
